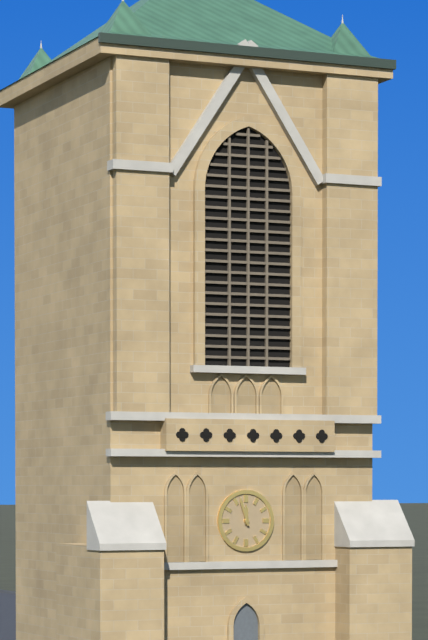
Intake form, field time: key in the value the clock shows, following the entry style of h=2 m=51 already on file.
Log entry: h=11 m=57
